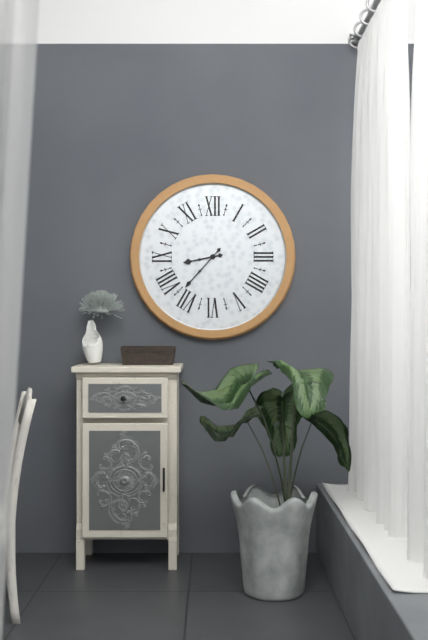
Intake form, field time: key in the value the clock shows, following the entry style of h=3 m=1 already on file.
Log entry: h=8 m=37
